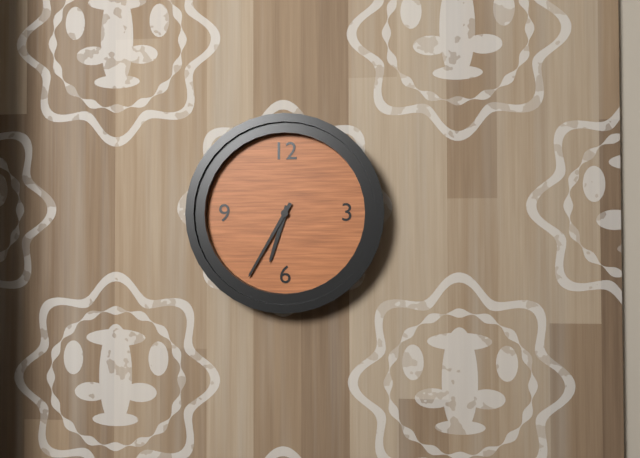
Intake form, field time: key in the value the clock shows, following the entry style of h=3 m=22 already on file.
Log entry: h=6 m=35
